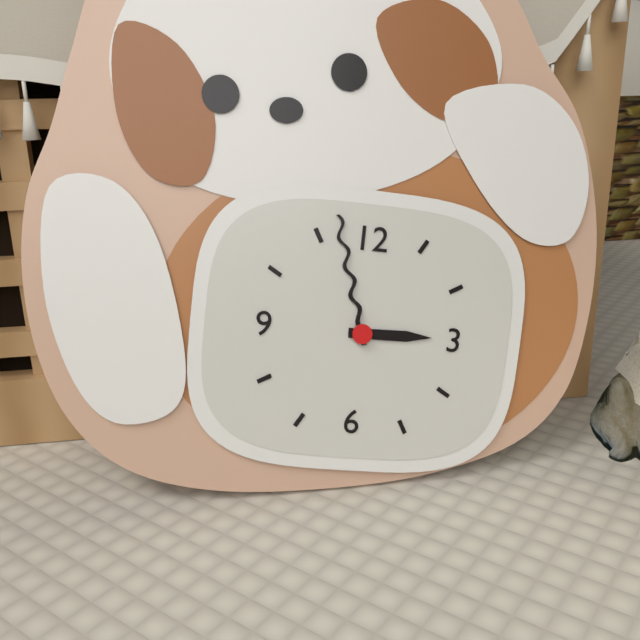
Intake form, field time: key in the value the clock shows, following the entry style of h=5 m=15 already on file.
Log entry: h=2 m=57
